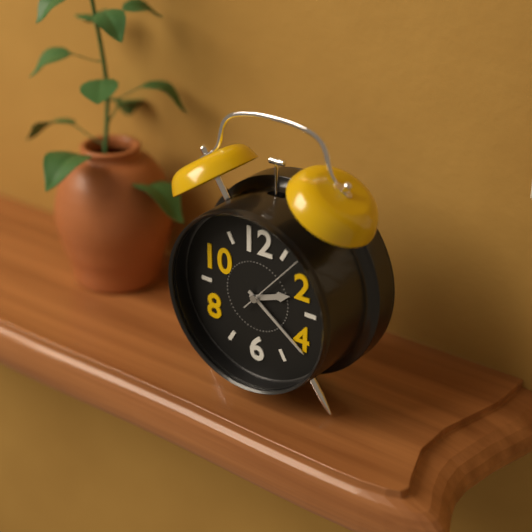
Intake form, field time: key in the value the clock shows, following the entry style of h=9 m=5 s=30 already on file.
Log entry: h=2 m=21 s=7
